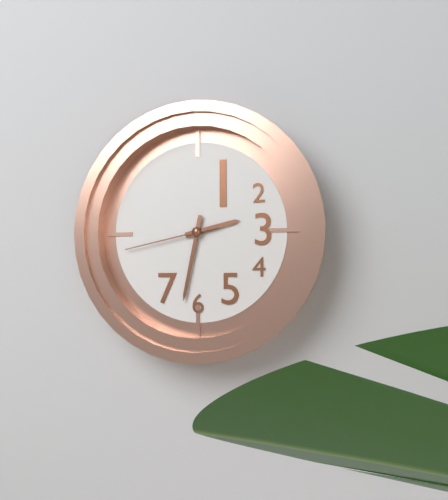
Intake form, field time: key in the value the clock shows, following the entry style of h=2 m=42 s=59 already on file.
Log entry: h=2 m=32 s=43
